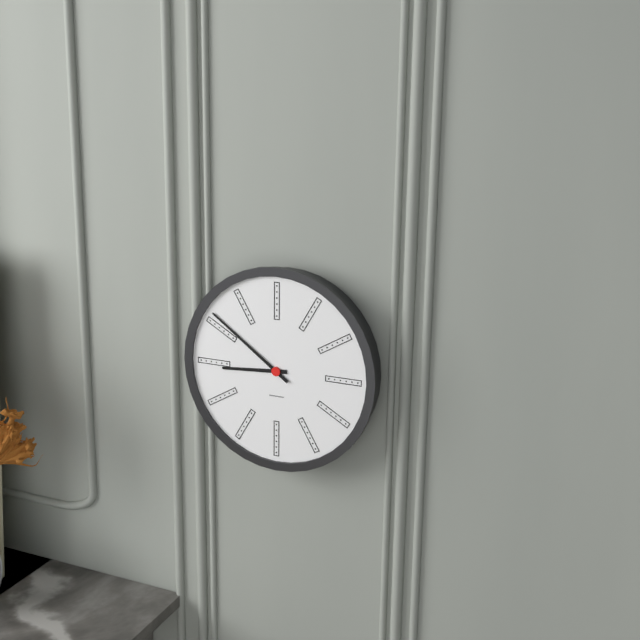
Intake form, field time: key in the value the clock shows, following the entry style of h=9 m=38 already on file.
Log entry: h=8 m=51
